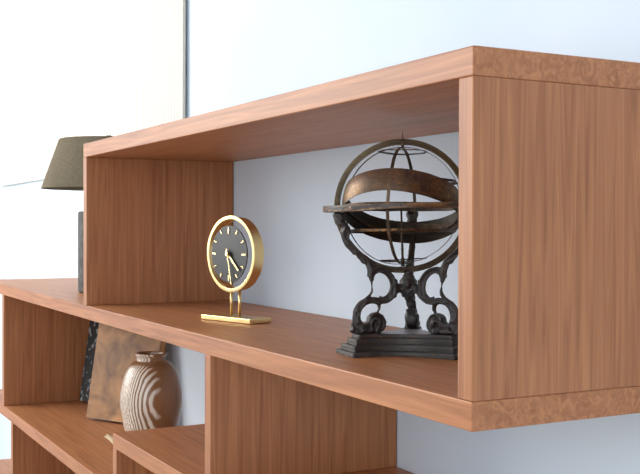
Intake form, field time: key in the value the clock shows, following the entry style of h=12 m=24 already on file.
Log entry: h=4 m=28
